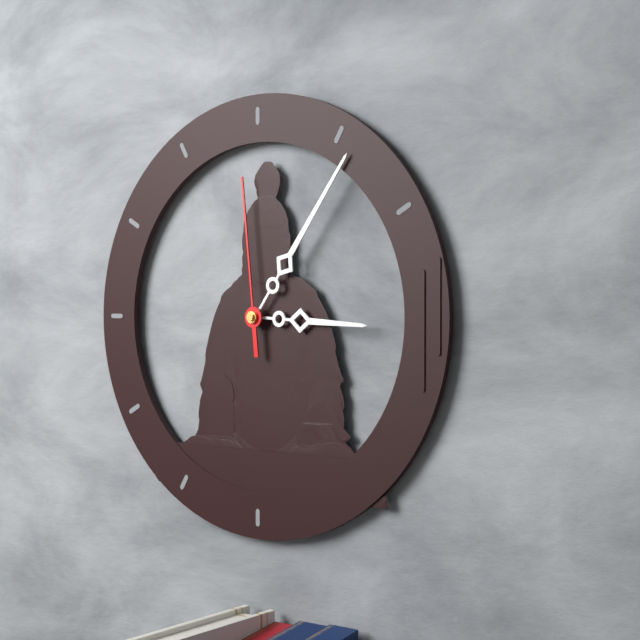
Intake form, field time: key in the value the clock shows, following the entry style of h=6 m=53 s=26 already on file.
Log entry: h=3 m=6 s=59
